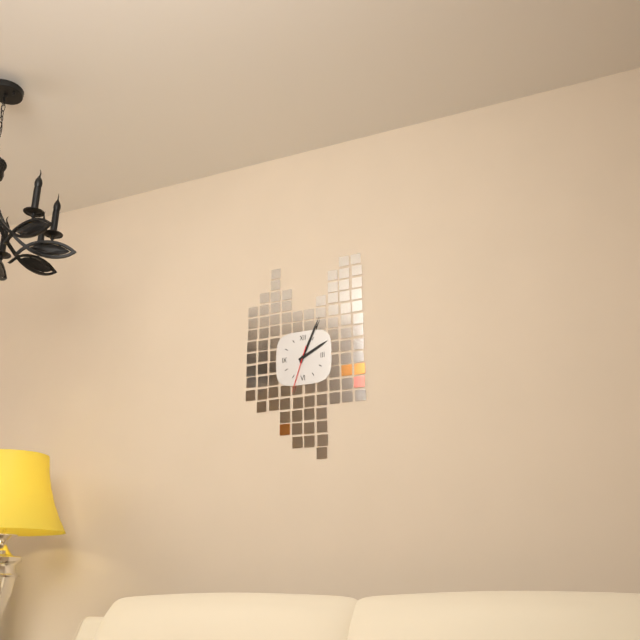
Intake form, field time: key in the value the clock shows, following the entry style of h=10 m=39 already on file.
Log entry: h=2 m=4
